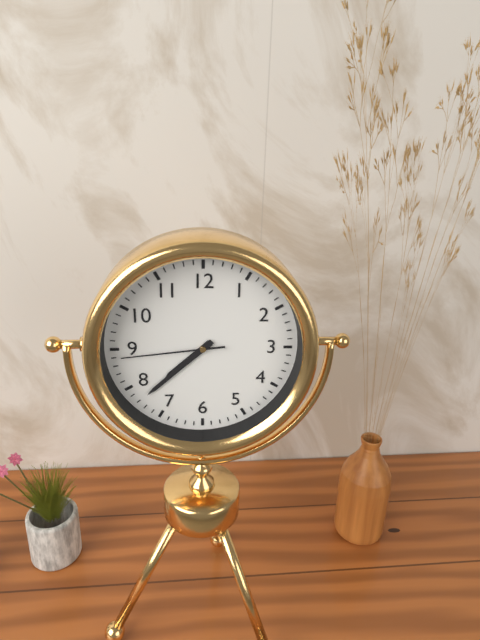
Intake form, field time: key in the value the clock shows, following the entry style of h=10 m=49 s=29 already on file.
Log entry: h=7 m=38 s=44
